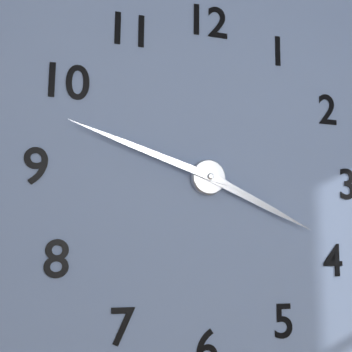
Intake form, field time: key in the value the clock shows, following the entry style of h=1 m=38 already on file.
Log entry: h=3 m=48
